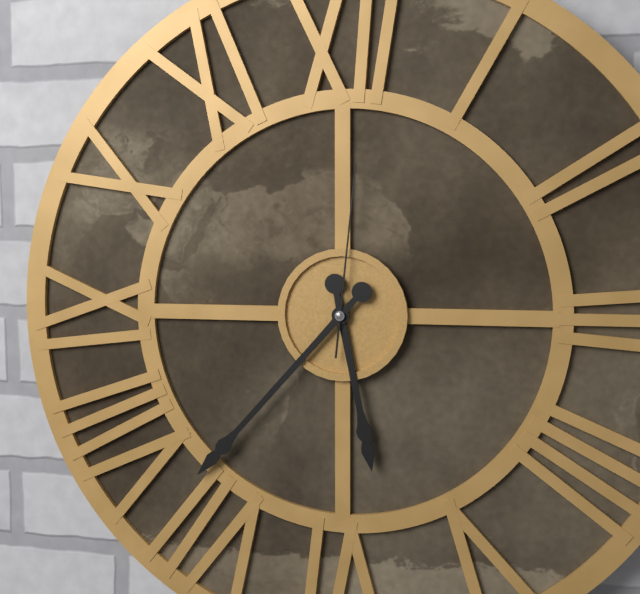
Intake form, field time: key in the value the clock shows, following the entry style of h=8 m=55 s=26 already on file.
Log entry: h=5 m=37 s=1
